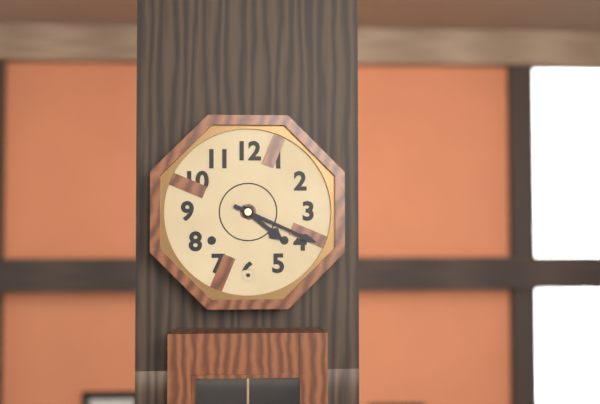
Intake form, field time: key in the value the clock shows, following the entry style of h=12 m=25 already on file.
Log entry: h=4 m=19
